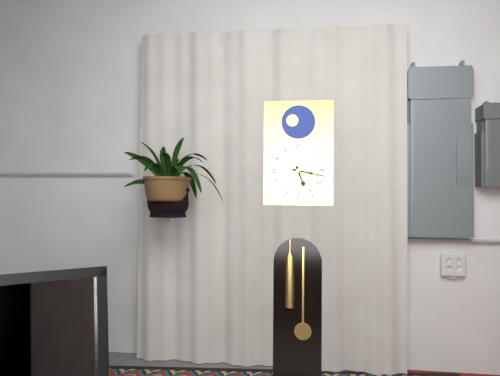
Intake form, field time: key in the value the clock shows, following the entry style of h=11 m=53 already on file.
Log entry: h=5 m=17
